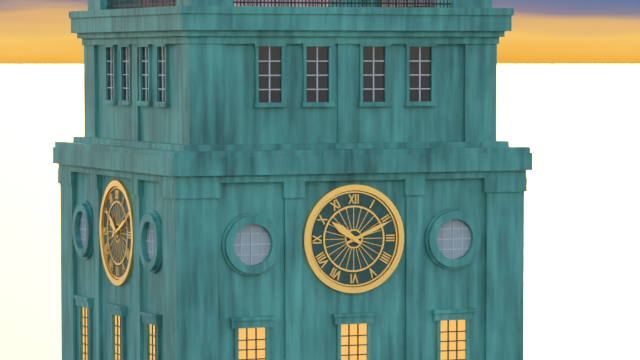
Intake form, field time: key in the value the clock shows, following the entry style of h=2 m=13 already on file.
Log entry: h=10 m=11
